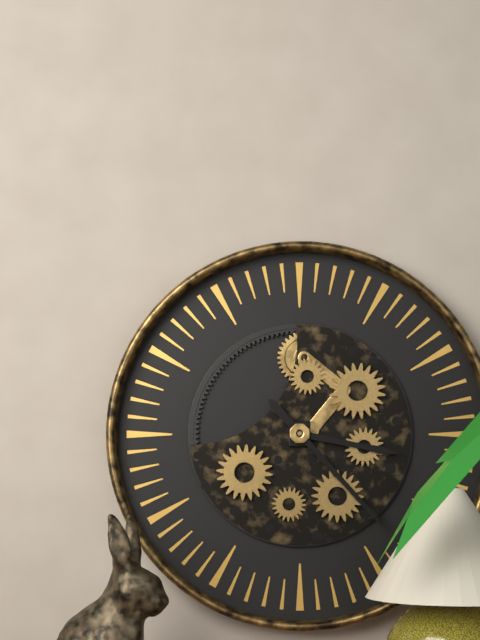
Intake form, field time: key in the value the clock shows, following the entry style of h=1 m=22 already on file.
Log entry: h=3 m=23
